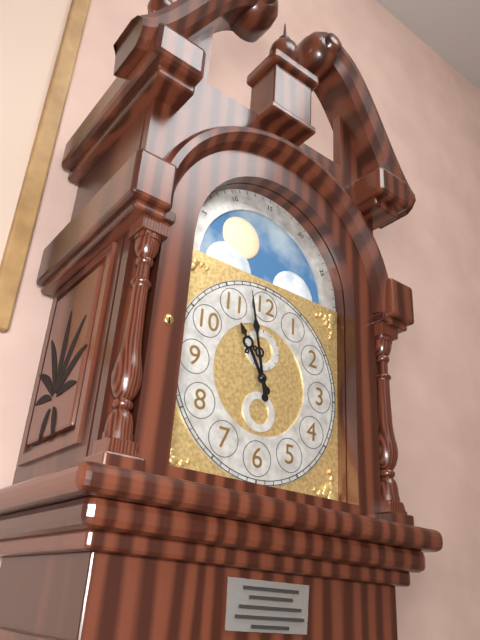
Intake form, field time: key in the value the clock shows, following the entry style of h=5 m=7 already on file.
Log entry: h=10 m=58
